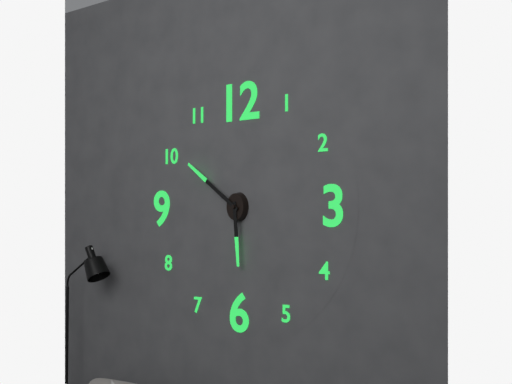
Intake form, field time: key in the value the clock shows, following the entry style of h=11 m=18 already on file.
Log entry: h=5 m=51
